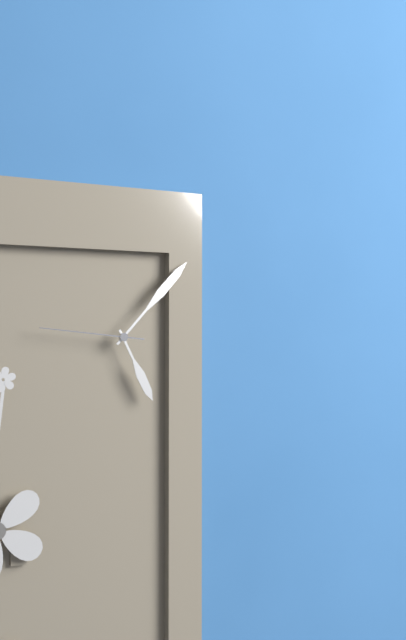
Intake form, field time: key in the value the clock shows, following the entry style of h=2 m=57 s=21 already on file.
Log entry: h=5 m=7 s=46
